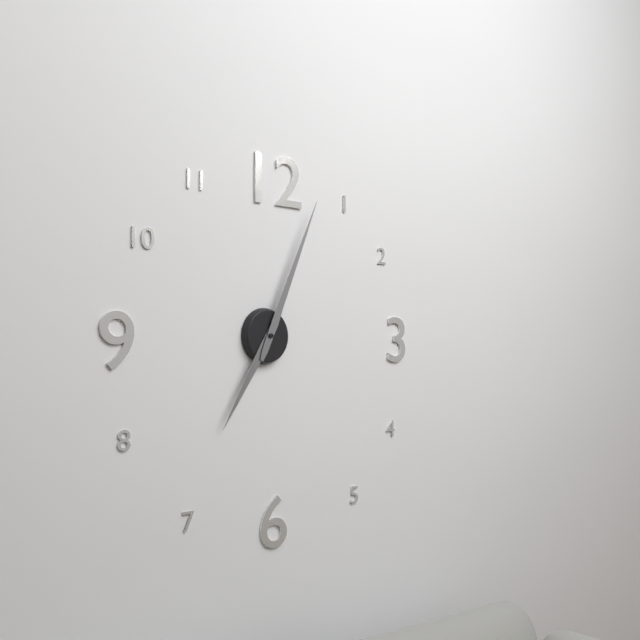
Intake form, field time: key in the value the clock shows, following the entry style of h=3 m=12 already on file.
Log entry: h=7 m=4
